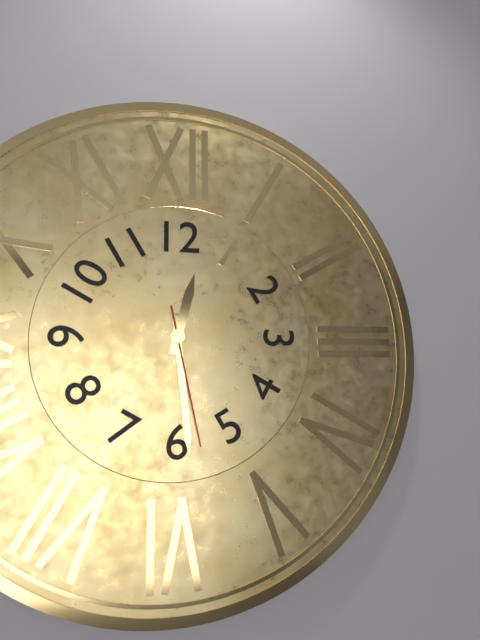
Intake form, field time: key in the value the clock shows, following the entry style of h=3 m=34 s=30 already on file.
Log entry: h=12 m=29 s=28
